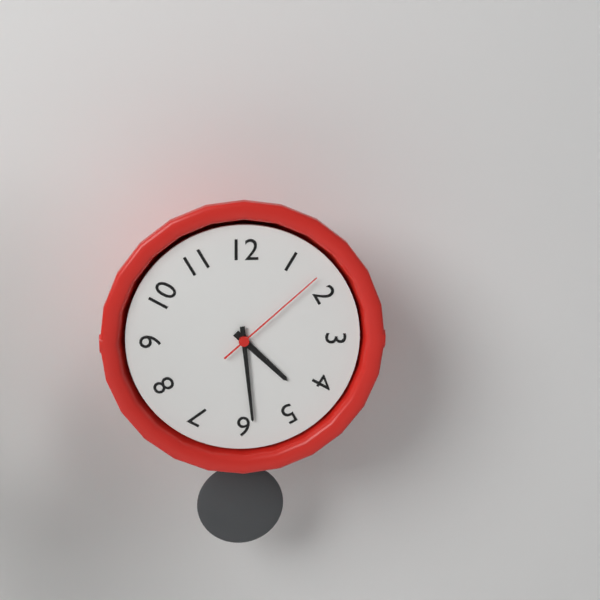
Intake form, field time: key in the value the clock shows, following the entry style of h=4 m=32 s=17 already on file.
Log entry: h=4 m=29 s=8
